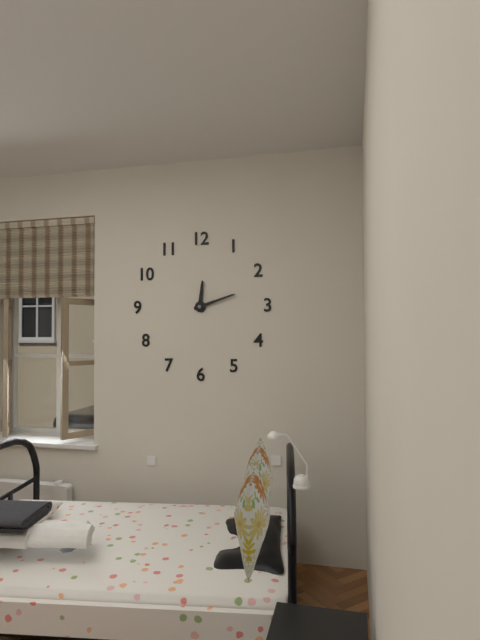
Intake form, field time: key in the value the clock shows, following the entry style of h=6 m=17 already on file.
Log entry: h=12 m=12
